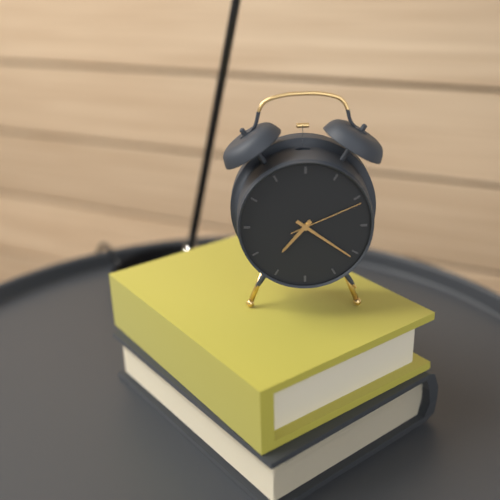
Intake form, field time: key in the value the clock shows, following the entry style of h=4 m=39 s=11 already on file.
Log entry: h=7 m=21 s=11
